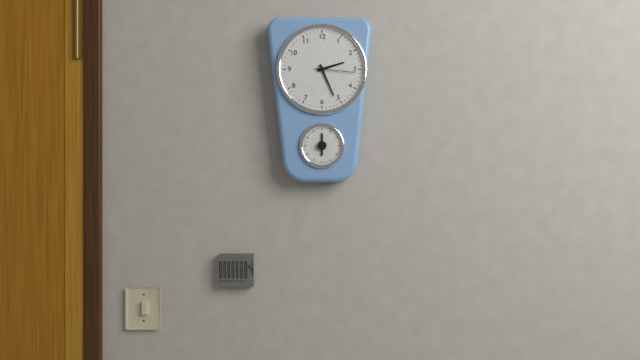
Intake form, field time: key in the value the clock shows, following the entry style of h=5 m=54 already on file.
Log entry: h=2 m=26
